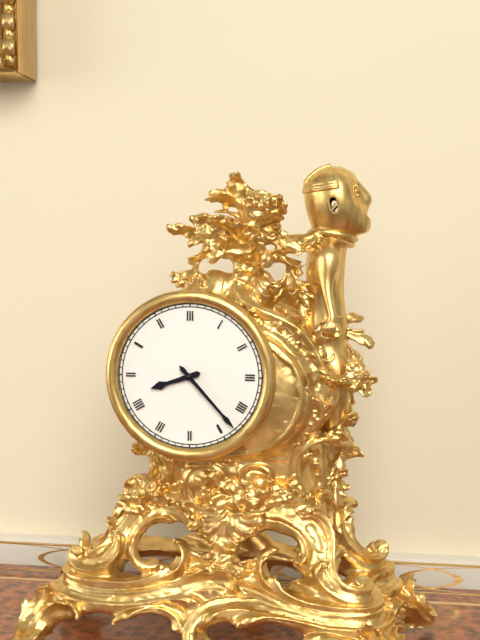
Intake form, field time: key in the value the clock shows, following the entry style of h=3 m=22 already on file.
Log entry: h=8 m=23
